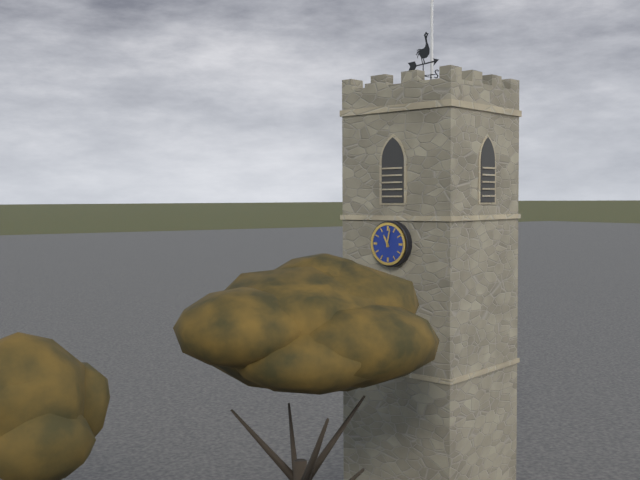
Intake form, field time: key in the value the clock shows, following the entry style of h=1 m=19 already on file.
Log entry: h=11 m=2
